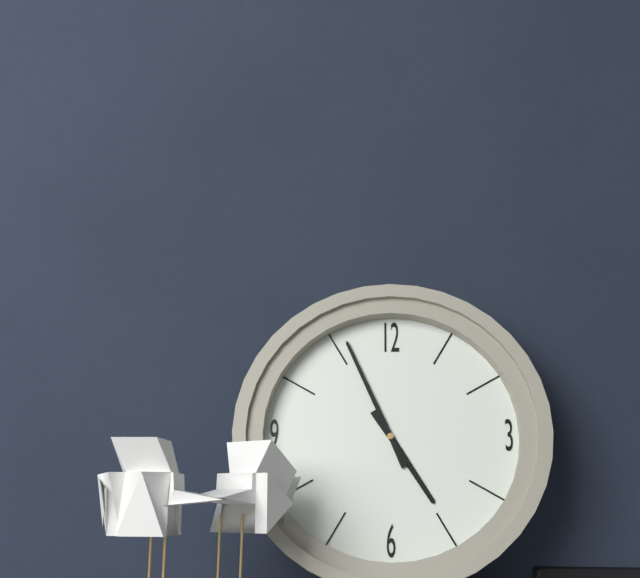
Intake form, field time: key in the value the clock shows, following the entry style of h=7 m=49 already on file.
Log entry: h=4 m=56
